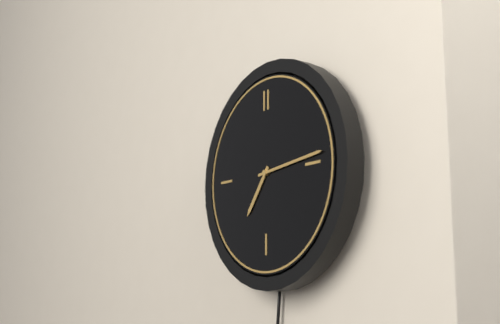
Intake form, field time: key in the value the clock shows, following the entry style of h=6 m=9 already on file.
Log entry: h=7 m=14
